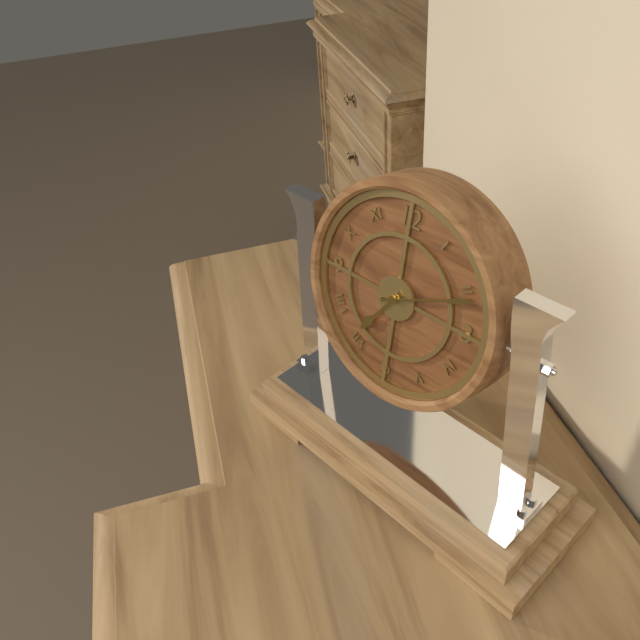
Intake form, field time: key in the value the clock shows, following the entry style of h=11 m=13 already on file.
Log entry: h=7 m=11
